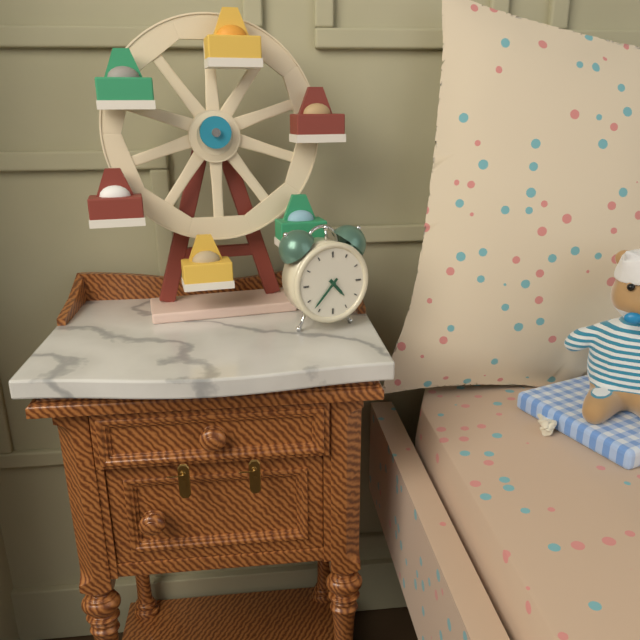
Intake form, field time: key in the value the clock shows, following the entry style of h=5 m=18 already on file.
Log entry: h=4 m=37
